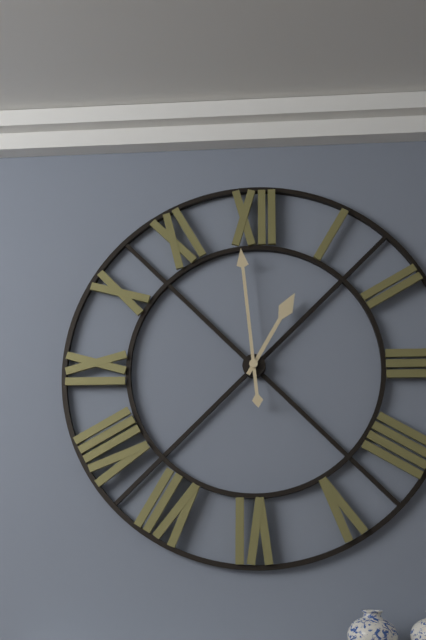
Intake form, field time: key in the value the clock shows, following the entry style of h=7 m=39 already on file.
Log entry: h=12 m=59
